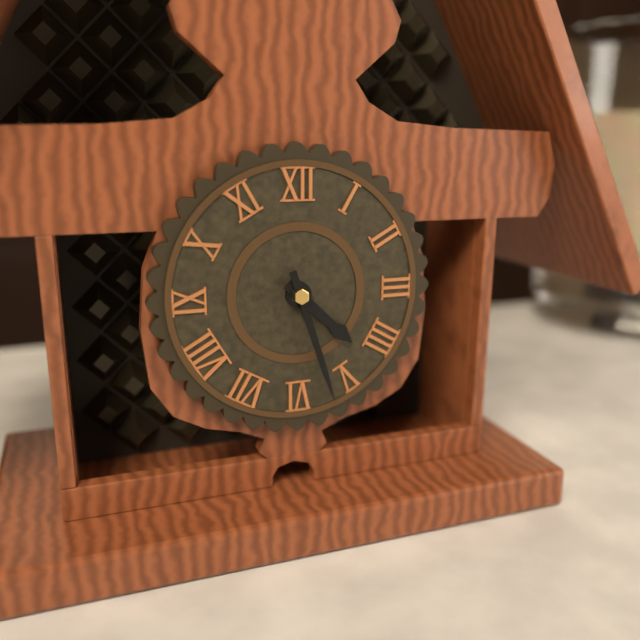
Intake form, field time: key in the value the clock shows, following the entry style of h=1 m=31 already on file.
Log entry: h=4 m=27
